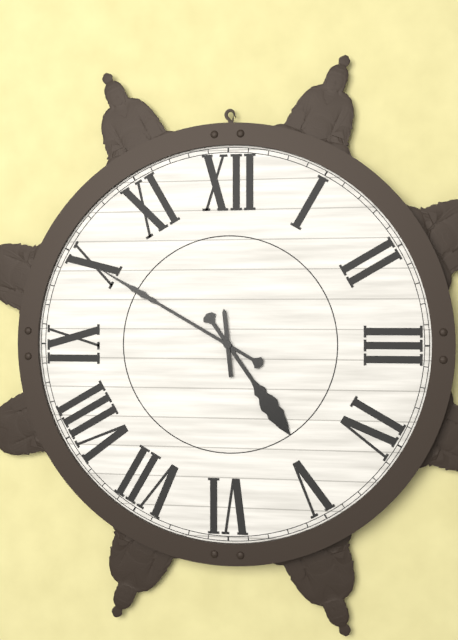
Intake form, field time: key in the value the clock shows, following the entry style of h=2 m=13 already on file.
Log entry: h=4 m=50
